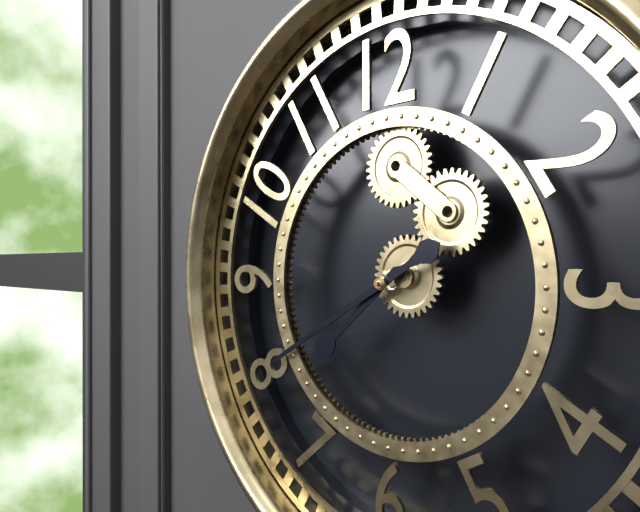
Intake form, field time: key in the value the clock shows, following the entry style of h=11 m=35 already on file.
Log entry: h=7 m=40
